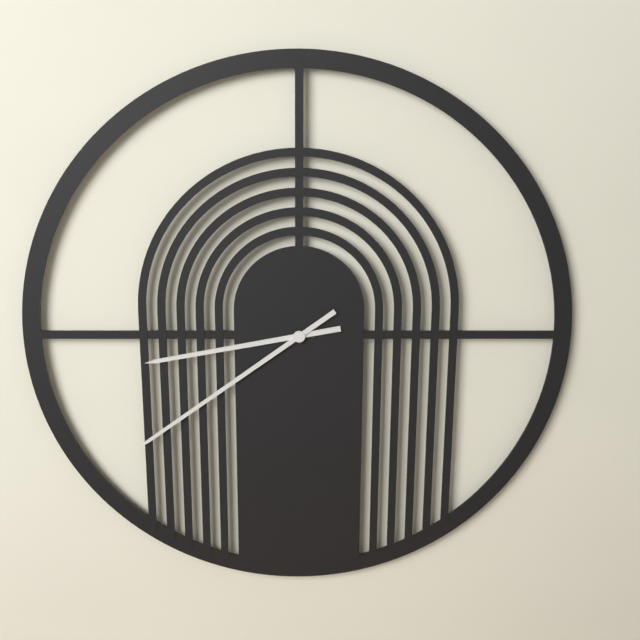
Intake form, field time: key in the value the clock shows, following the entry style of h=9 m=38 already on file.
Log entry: h=8 m=39
